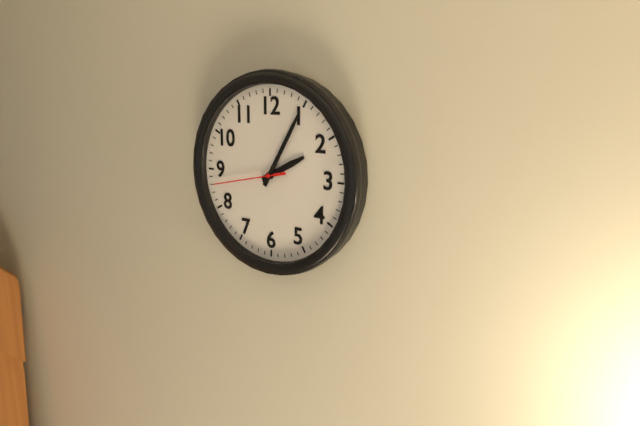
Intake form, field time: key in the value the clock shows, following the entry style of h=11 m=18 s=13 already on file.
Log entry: h=2 m=5 s=43
